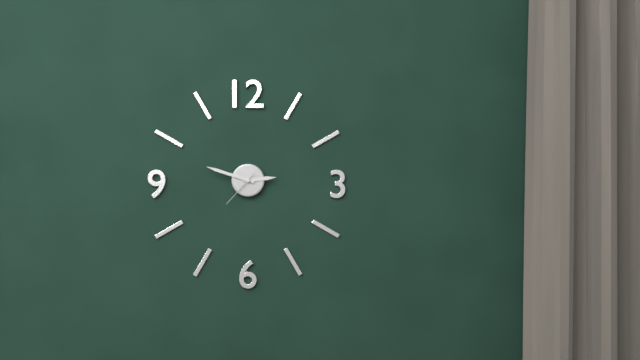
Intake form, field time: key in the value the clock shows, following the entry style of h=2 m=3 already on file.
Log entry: h=2 m=48
